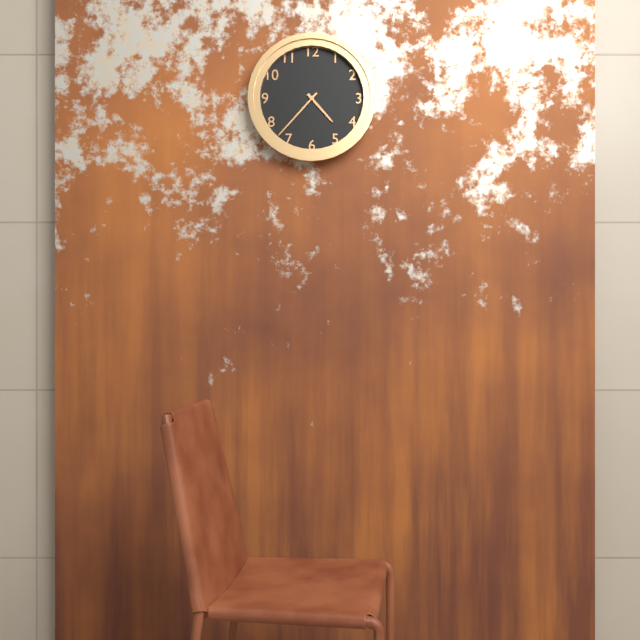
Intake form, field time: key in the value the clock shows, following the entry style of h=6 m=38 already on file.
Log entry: h=4 m=37
